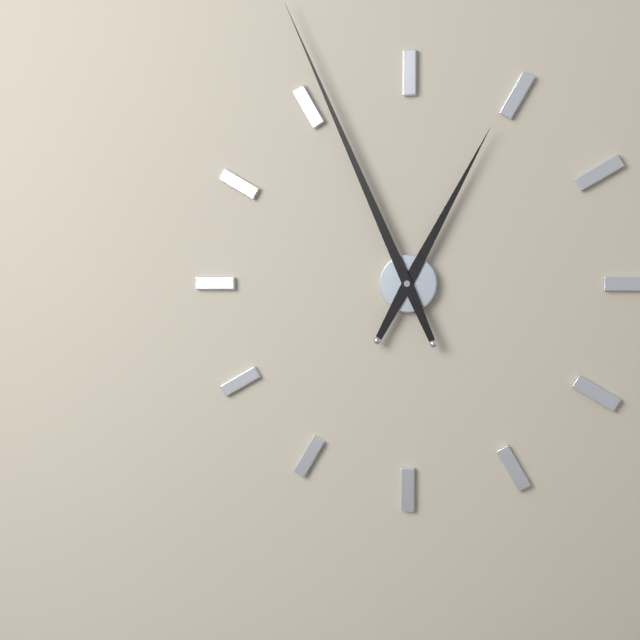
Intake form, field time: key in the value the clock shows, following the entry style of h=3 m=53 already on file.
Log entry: h=12 m=56
